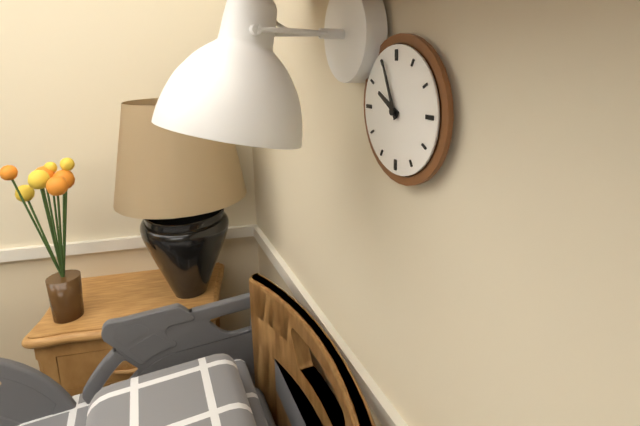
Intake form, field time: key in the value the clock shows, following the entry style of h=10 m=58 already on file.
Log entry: h=9 m=56
